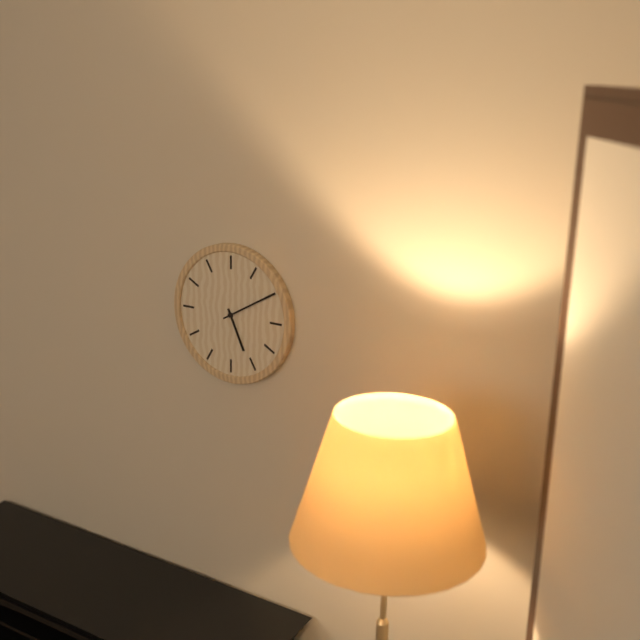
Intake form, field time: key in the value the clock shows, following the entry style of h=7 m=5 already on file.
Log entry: h=5 m=10
